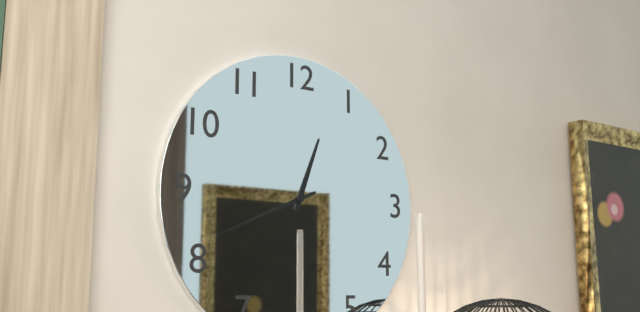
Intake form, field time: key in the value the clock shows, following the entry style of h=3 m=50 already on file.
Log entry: h=12 m=41
